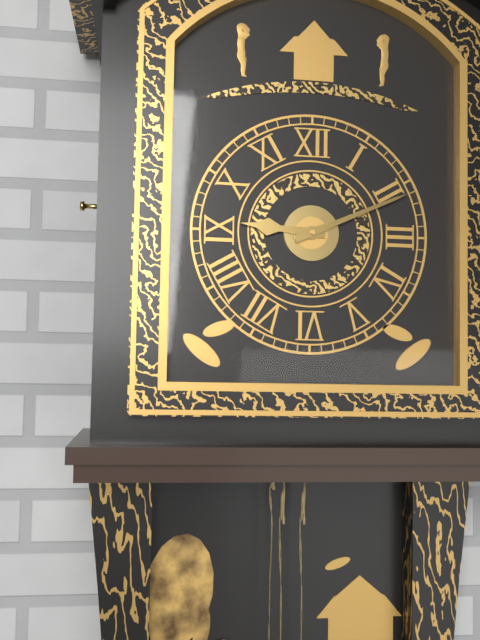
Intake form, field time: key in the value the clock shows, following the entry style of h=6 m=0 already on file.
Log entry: h=9 m=11
